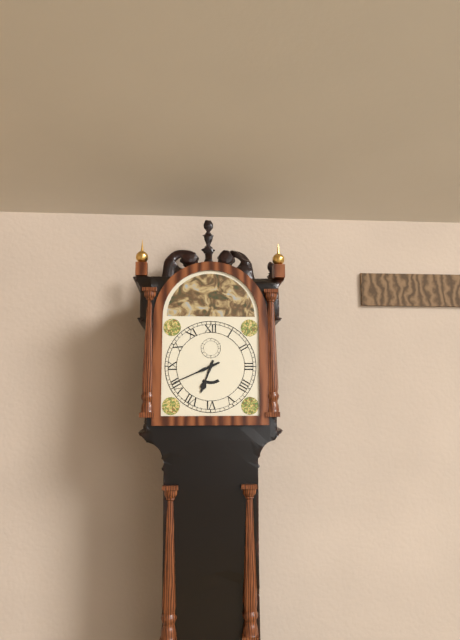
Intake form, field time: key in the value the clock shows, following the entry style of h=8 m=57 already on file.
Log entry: h=6 m=41
